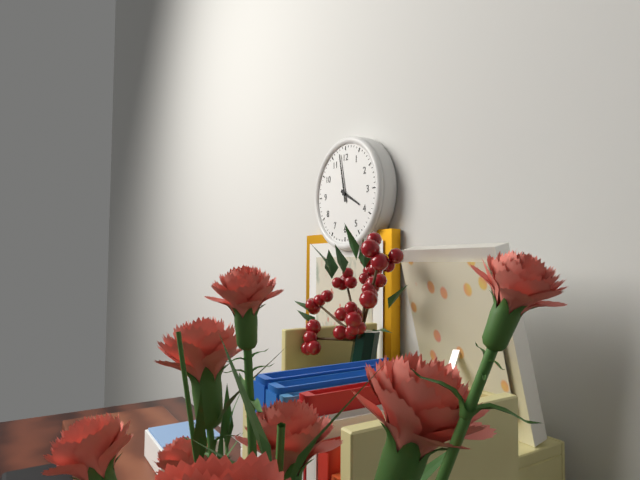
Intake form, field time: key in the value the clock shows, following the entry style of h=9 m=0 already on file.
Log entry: h=3 m=58
